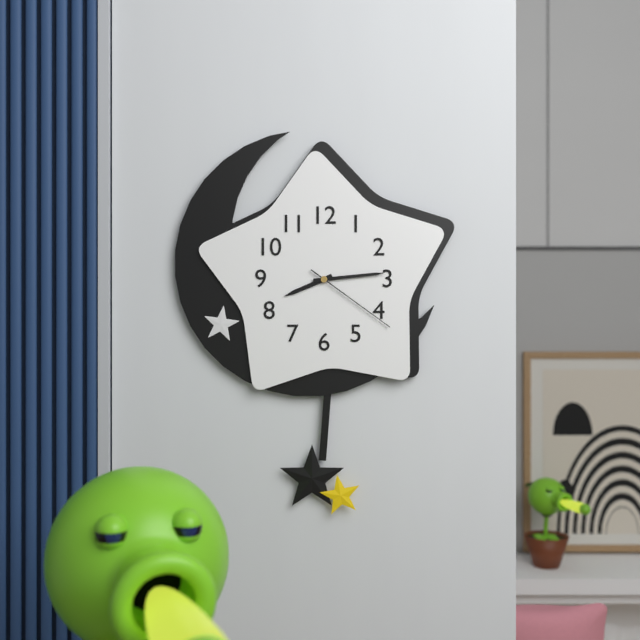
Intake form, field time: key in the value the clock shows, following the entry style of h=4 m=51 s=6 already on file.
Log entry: h=8 m=14 s=21
